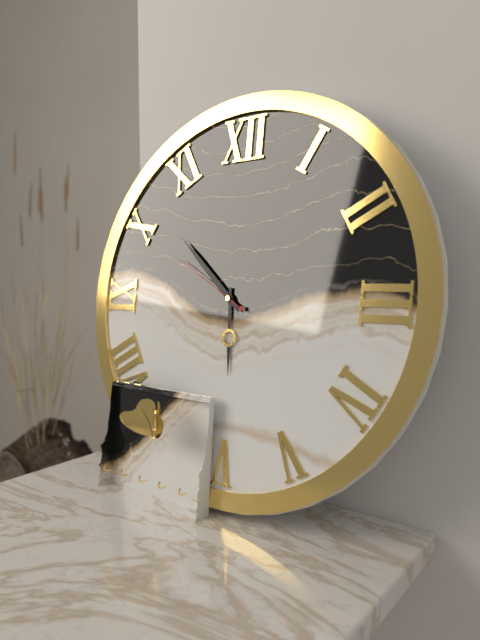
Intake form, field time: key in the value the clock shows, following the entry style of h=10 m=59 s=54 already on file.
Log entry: h=5 m=52 s=50
